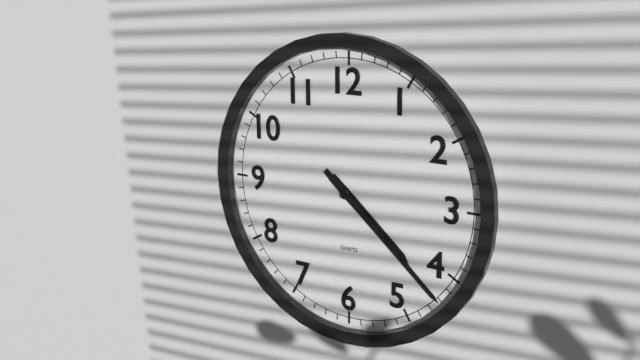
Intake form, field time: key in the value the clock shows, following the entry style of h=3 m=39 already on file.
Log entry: h=4 m=22
